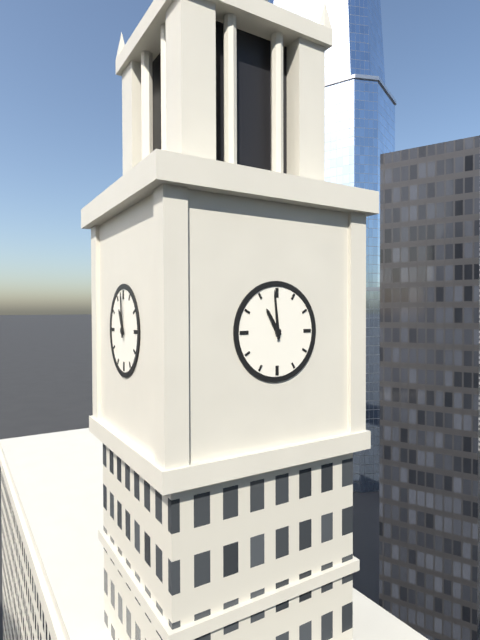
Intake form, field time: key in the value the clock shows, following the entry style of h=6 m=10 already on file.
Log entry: h=10 m=59
